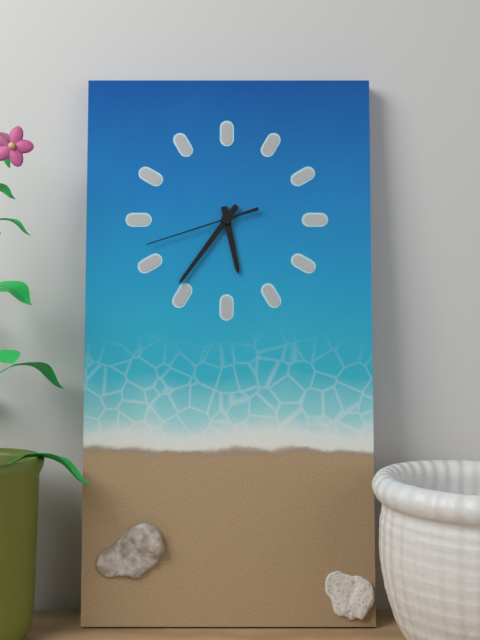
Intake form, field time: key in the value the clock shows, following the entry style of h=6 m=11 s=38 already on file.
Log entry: h=5 m=36 s=42
